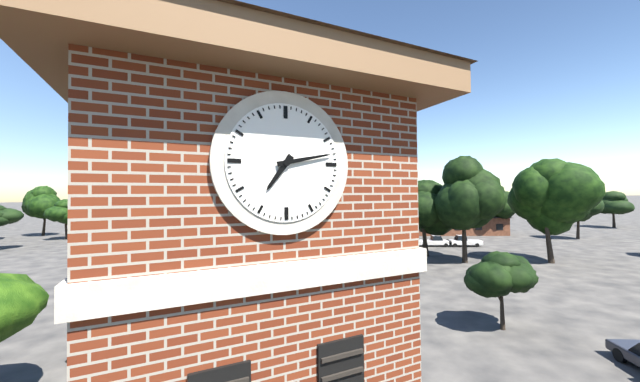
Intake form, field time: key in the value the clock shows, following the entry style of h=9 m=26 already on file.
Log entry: h=7 m=13
